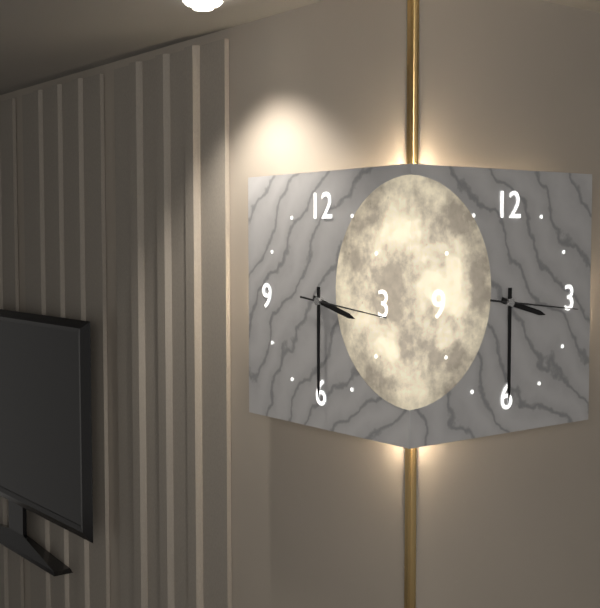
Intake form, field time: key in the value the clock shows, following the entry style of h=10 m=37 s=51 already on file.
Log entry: h=3 m=30 s=16
